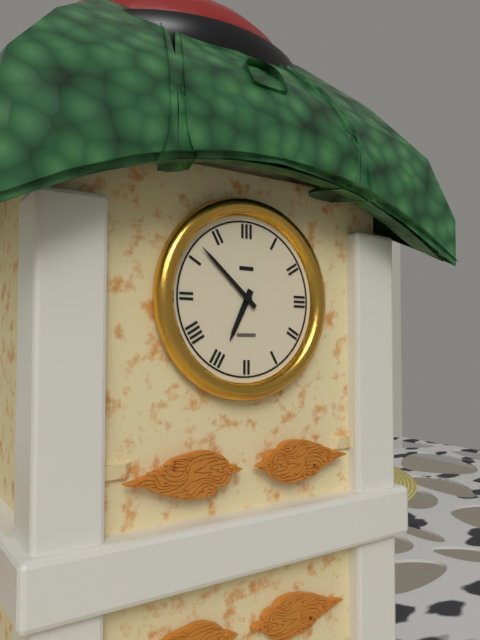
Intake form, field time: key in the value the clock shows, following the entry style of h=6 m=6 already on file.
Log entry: h=6 m=52
